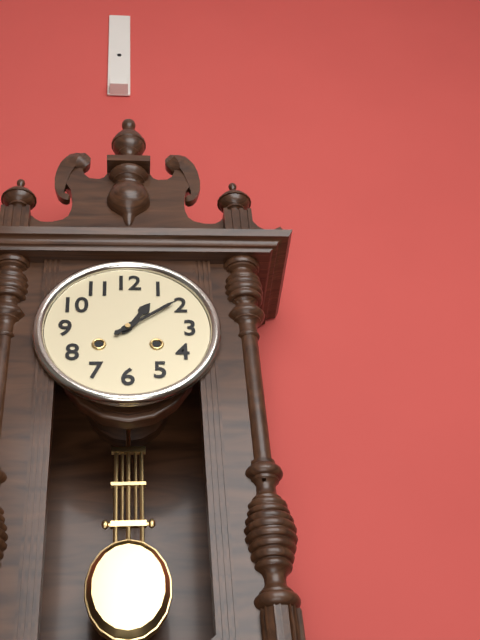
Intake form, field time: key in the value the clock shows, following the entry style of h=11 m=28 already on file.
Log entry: h=1 m=9
